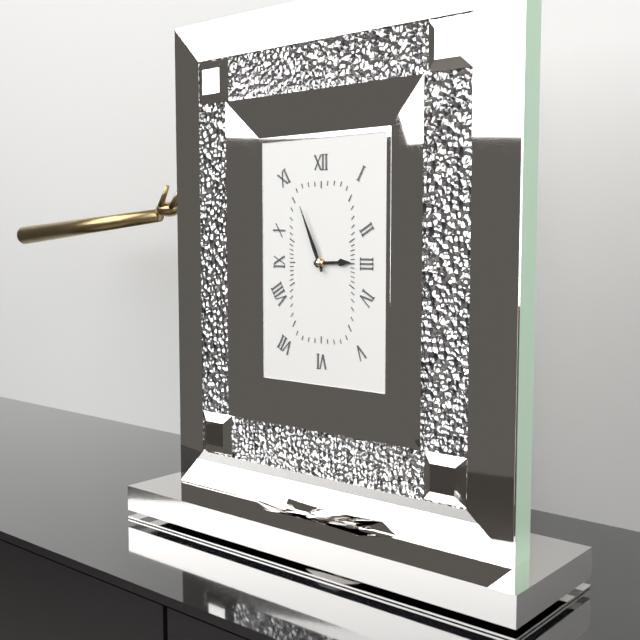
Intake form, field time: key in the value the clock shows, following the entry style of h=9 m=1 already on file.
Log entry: h=2 m=56
